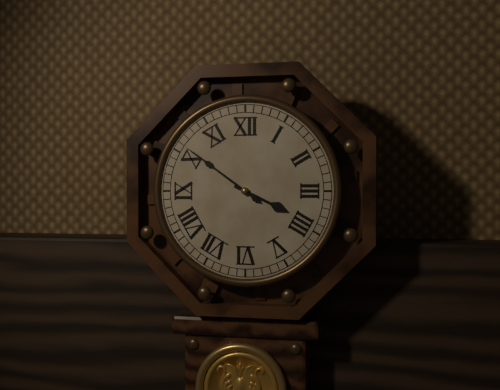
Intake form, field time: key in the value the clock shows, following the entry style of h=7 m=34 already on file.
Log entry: h=3 m=51
